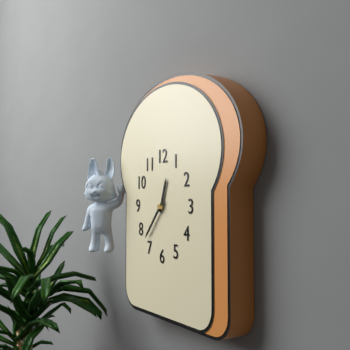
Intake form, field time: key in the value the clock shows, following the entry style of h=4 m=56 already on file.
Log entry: h=12 m=37
